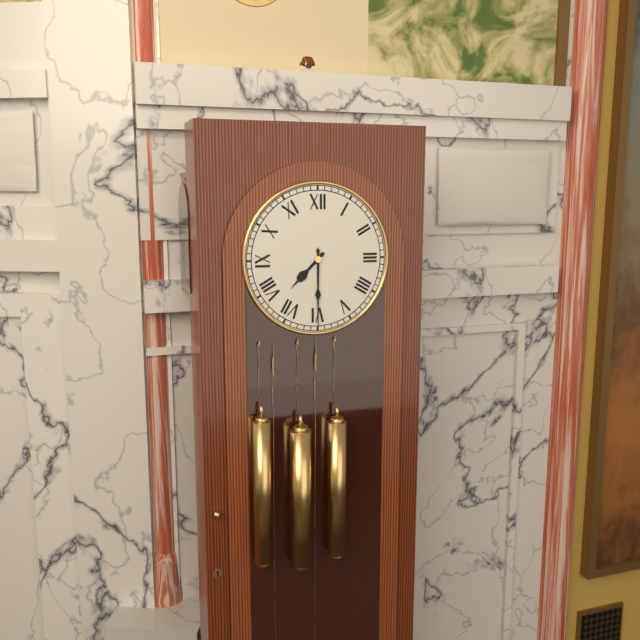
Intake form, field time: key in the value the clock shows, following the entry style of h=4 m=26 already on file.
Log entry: h=7 m=30
